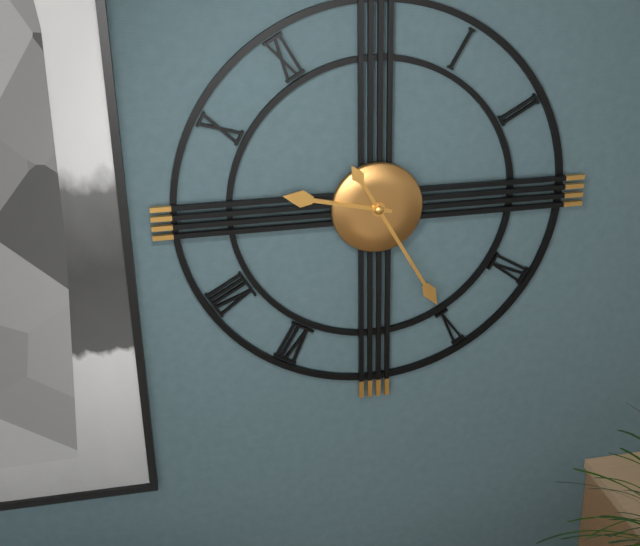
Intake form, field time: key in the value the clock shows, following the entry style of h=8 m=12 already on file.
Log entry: h=9 m=25
